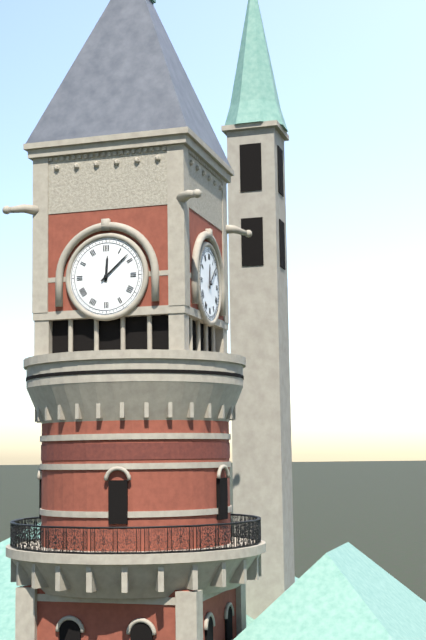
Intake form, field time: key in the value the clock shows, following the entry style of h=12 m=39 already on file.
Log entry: h=12 m=8
